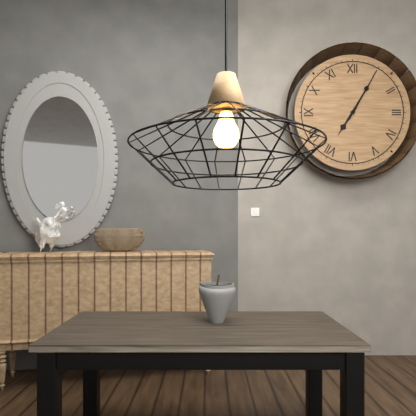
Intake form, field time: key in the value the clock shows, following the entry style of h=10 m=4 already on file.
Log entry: h=7 m=5
